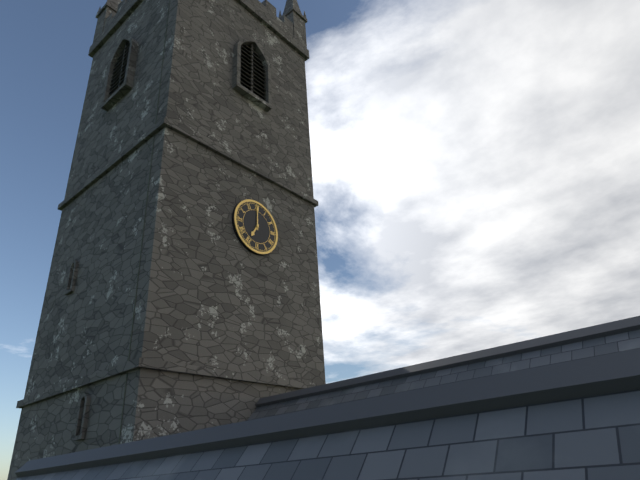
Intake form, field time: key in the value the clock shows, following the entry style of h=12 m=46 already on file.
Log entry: h=7 m=0
